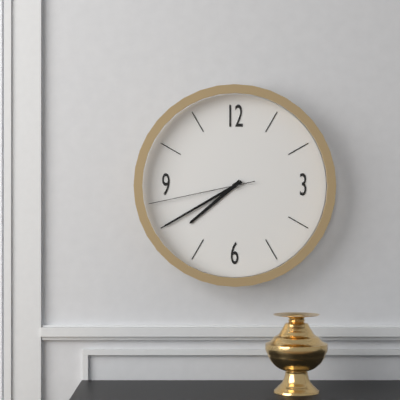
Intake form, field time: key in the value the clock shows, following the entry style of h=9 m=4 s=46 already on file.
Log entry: h=7 m=40 s=43
